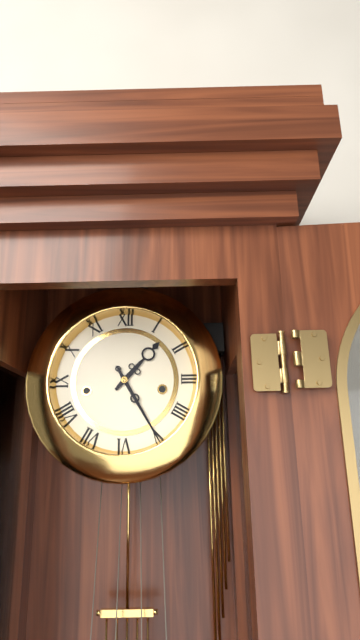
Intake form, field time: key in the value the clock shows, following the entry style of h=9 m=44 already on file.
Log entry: h=1 m=25
